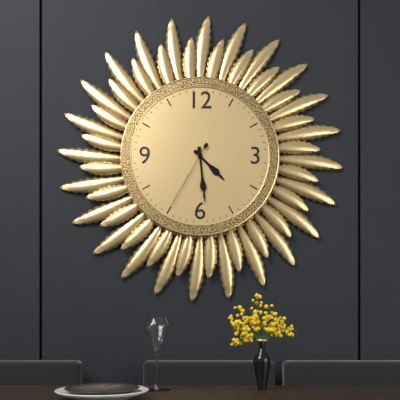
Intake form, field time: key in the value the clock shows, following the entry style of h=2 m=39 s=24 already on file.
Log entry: h=4 m=29 s=35
